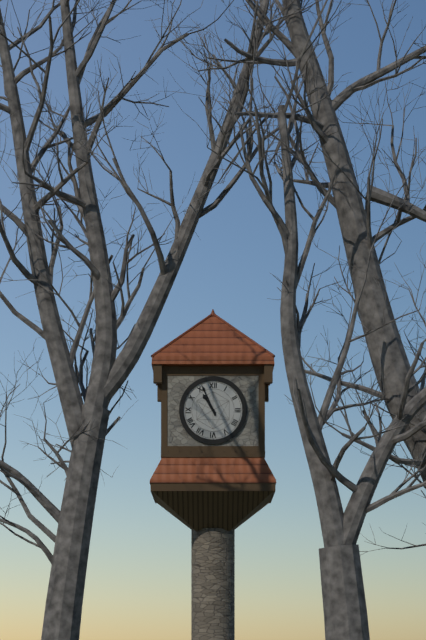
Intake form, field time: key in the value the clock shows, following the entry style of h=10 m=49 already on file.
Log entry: h=10 m=56
